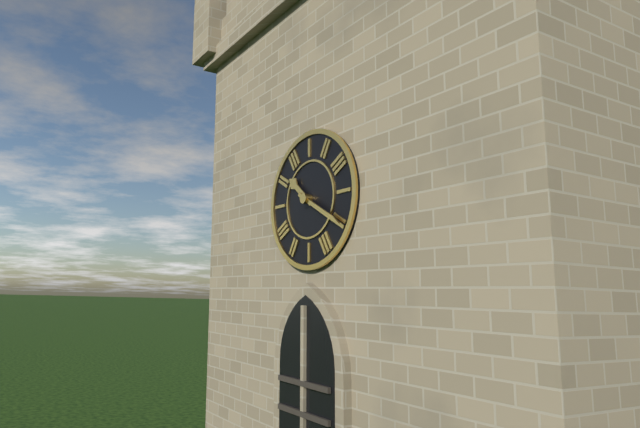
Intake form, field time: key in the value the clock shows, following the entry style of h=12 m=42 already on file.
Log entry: h=10 m=20
